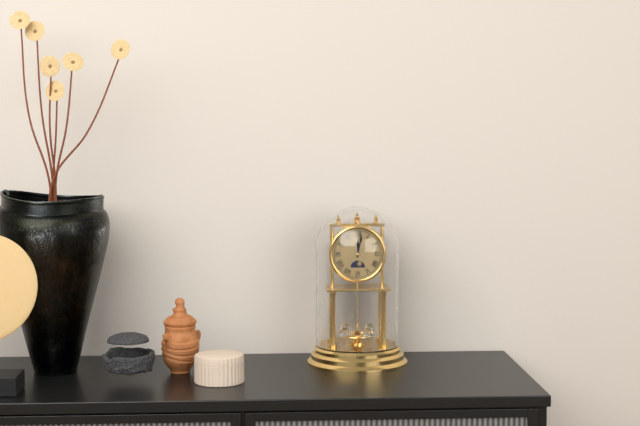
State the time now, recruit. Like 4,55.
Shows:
12,02
